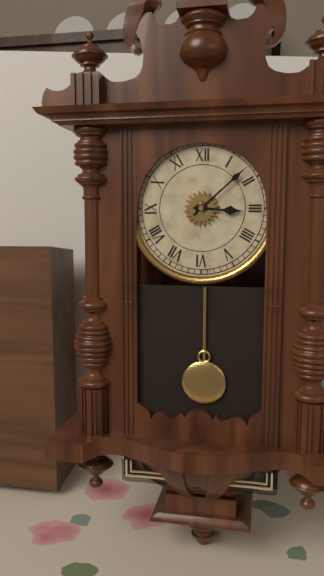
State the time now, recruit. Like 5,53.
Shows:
3,08
